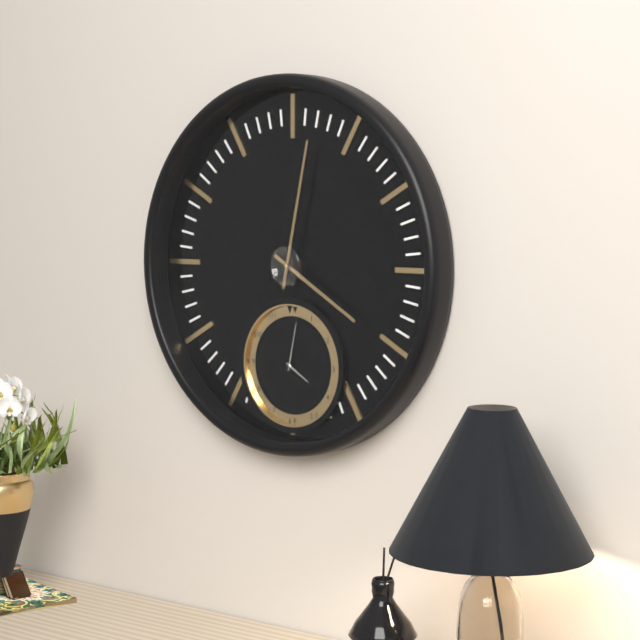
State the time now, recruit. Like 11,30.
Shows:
4,02
